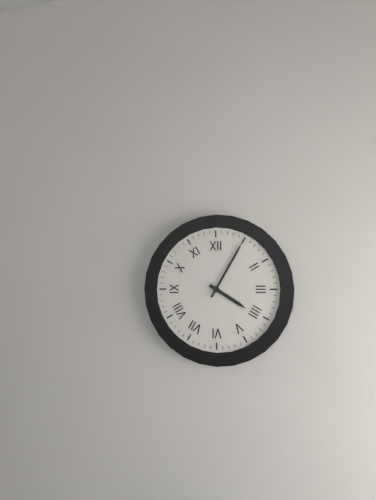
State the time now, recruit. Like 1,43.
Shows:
4,05
